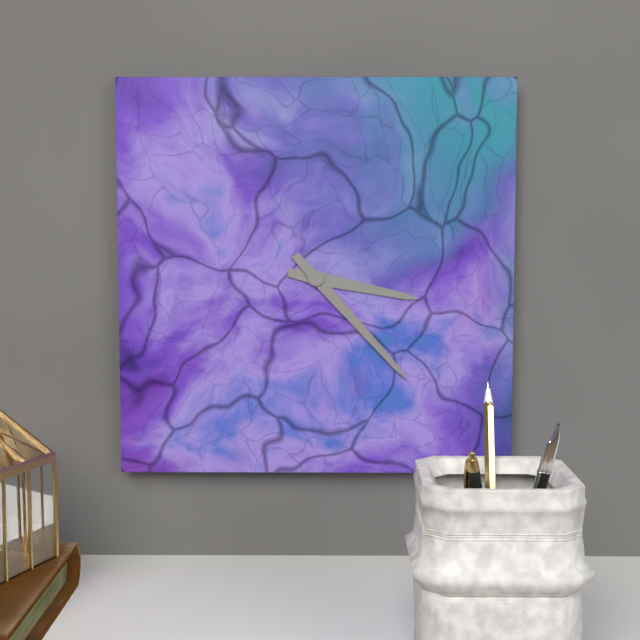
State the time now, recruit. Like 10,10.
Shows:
3,23
